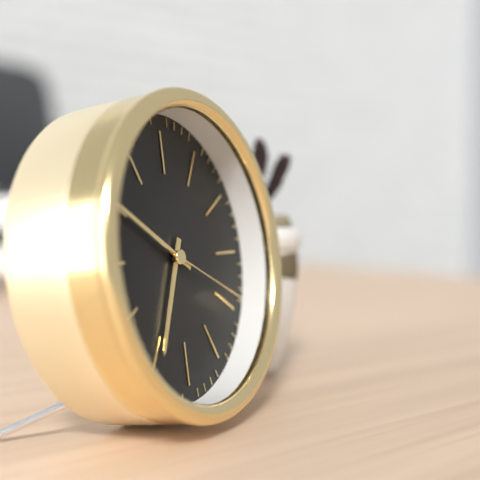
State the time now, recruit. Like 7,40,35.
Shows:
6,50,19
